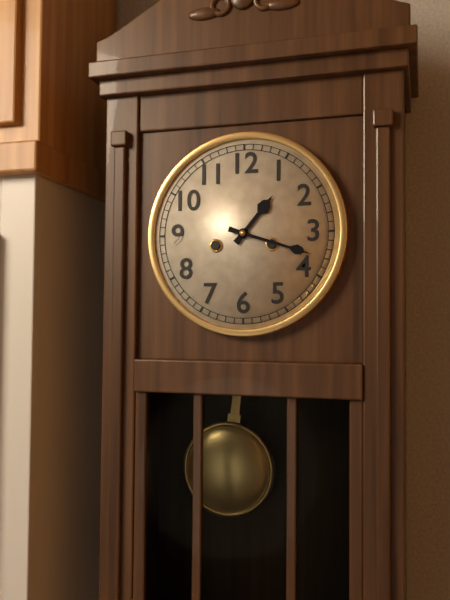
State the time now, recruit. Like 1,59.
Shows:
1,18
